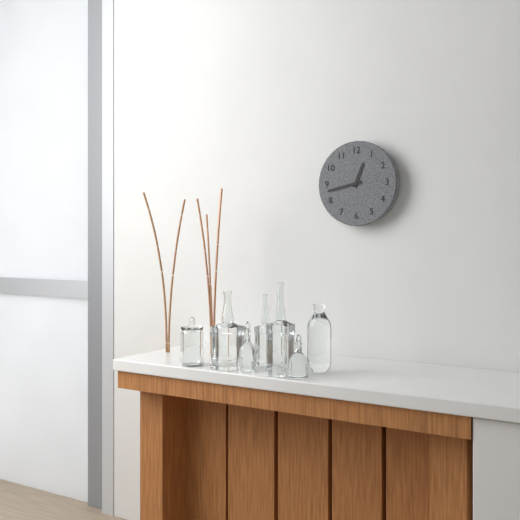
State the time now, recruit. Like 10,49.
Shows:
12,43
